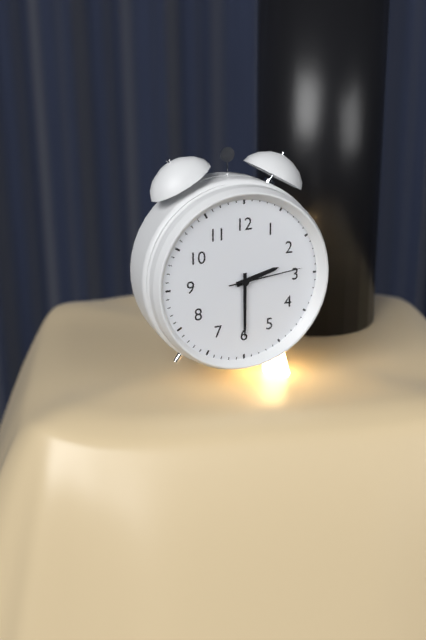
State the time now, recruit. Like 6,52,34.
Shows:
2,30,14
